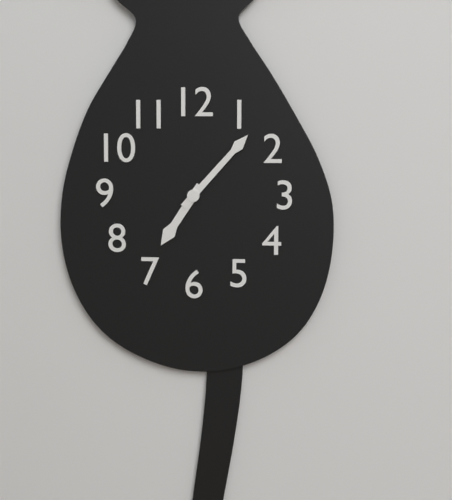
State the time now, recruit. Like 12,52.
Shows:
7,07
